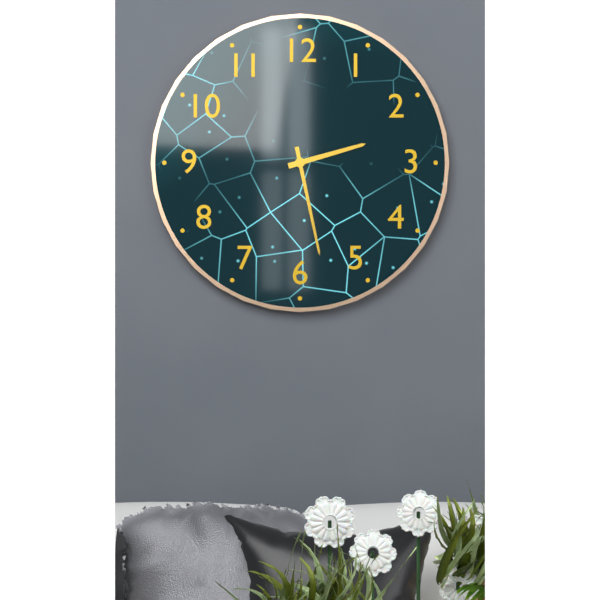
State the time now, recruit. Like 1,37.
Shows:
2,28
